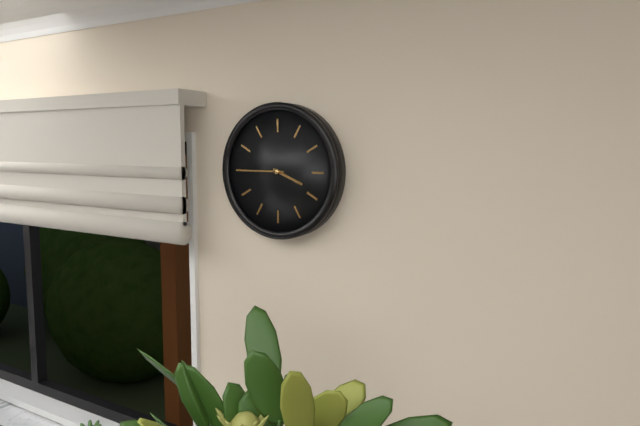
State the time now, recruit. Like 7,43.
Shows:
3,45
